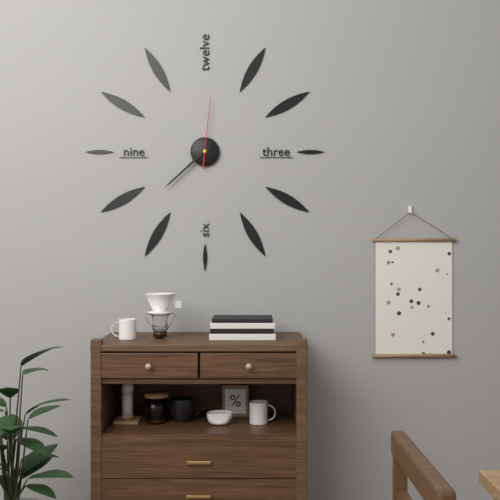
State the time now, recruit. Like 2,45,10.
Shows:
7,38,01
